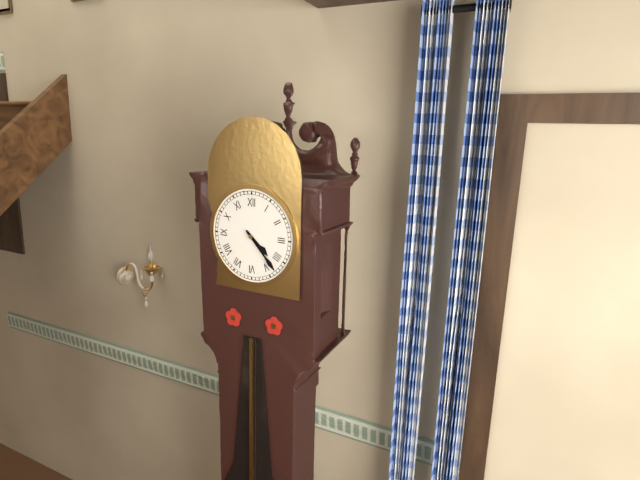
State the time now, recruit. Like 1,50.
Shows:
4,23
